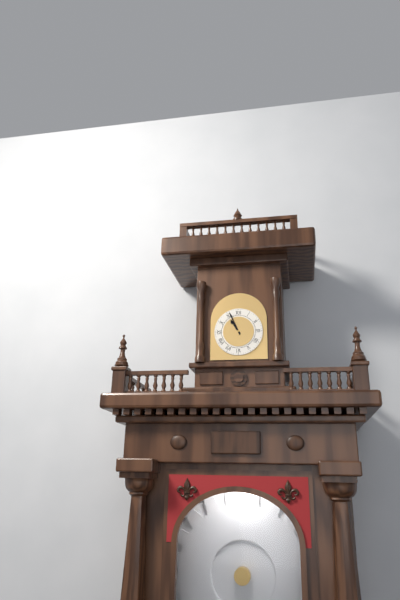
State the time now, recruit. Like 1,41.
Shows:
10,56
